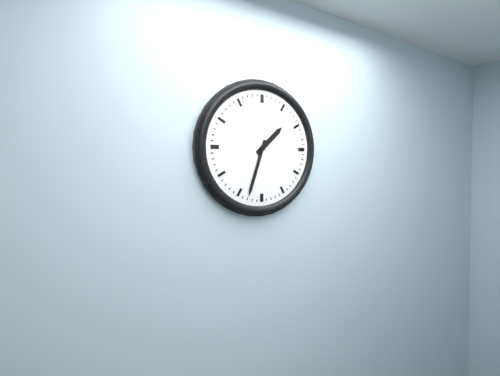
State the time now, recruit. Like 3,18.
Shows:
1,33
